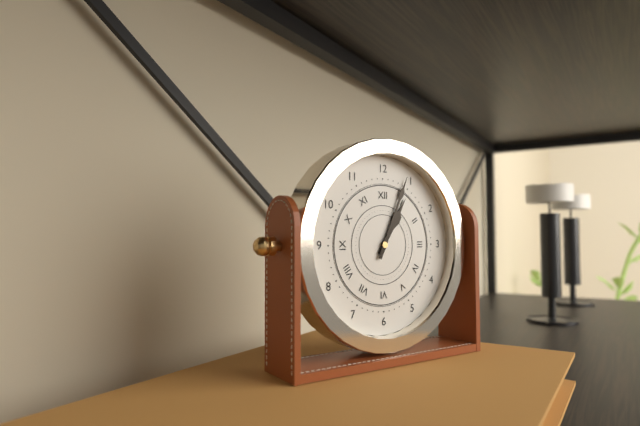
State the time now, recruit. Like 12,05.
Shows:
1,04
